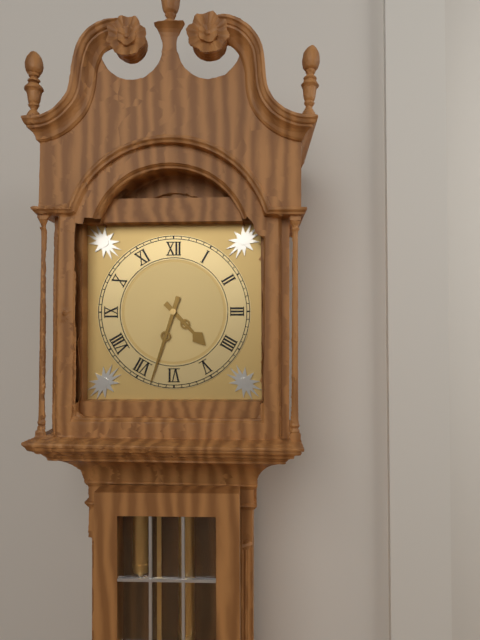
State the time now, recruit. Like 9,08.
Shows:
4,33
